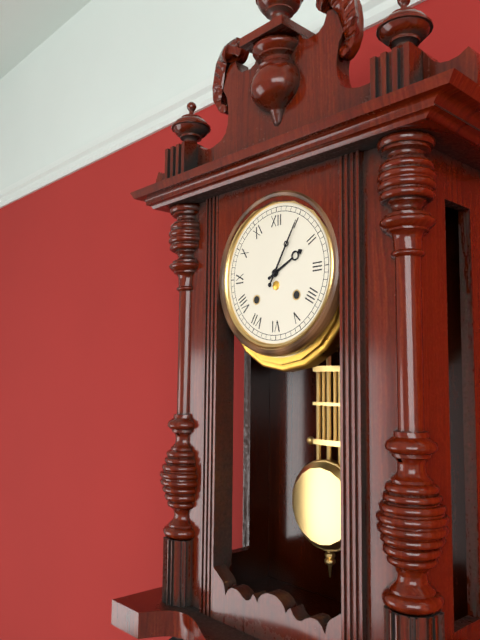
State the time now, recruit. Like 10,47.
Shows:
2,05
